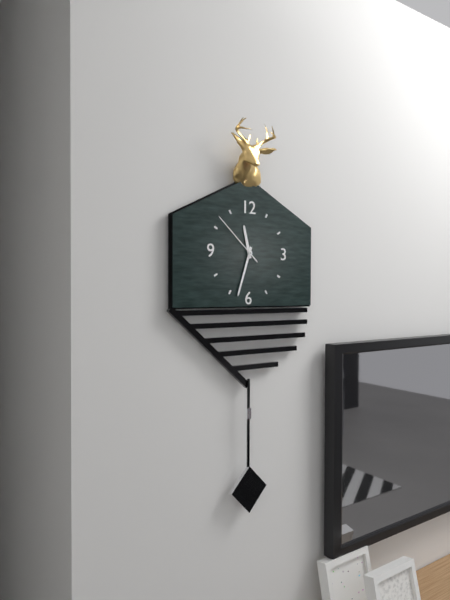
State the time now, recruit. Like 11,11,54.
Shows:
11,33,52
